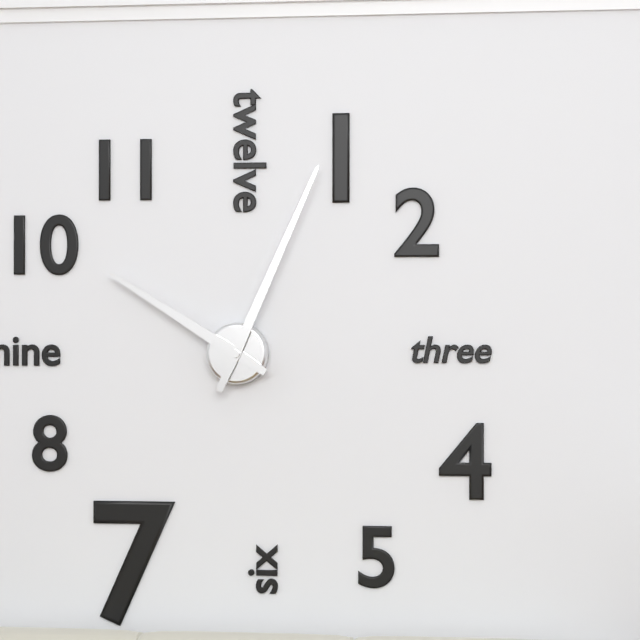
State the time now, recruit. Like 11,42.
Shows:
10,04
